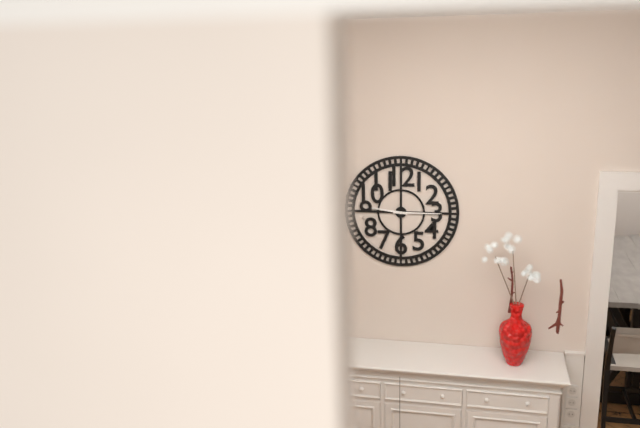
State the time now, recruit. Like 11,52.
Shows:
9,15
